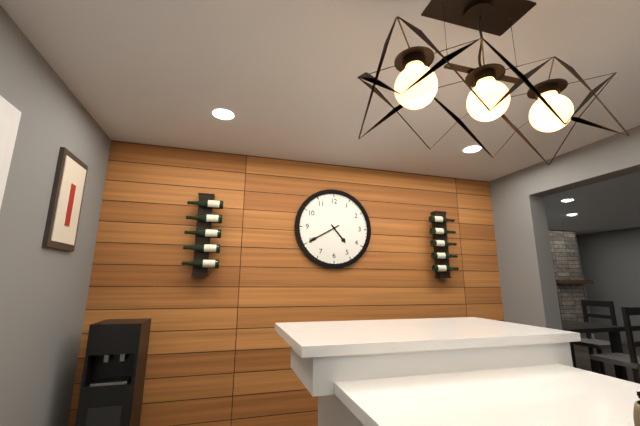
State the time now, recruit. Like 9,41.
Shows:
4,40
